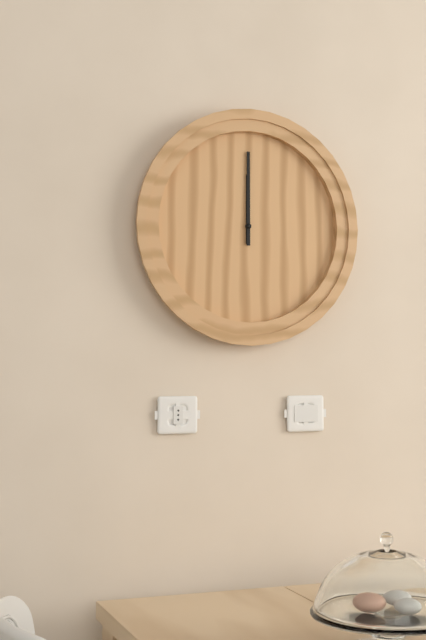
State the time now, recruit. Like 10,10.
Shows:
12,00
